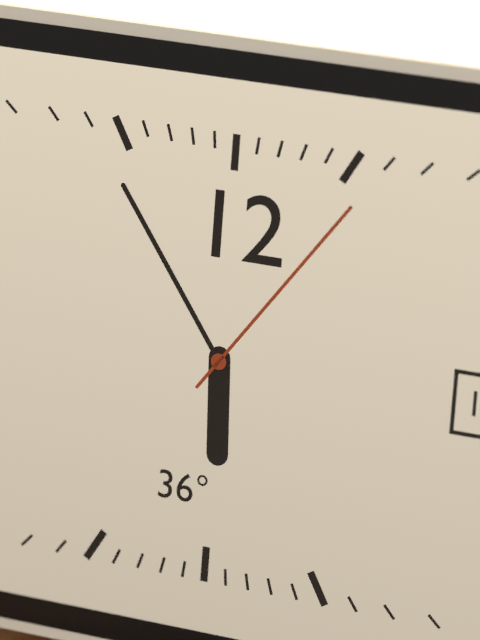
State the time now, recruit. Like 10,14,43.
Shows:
5,54,06
